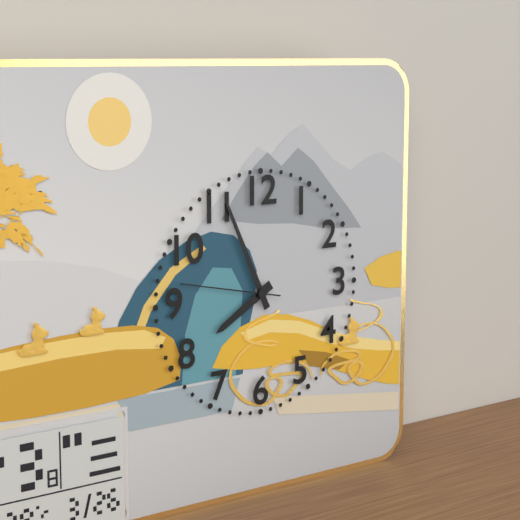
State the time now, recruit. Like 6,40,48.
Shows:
7,56,47
